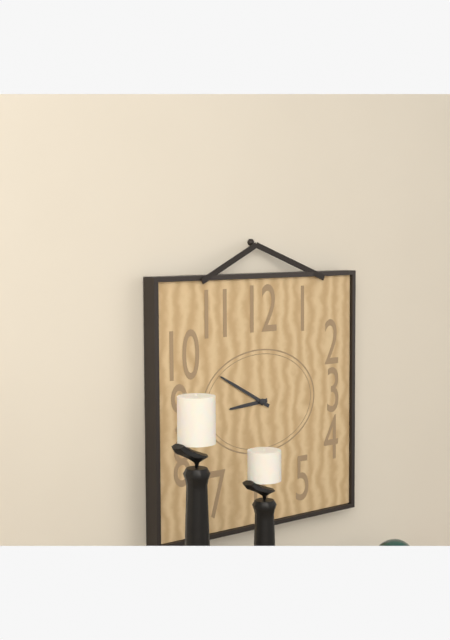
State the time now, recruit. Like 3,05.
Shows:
8,50
